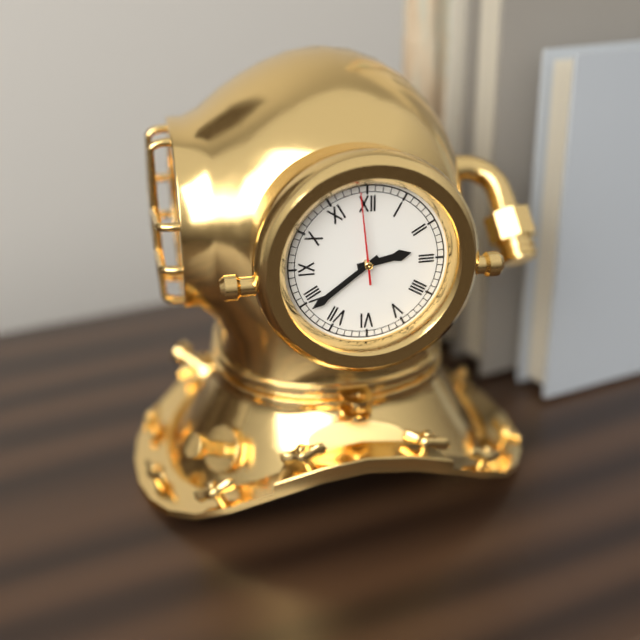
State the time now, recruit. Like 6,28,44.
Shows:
2,39,59
